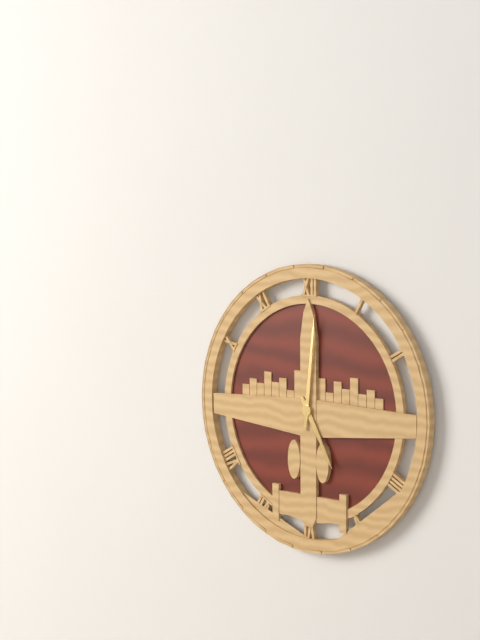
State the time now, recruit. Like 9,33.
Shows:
5,01
